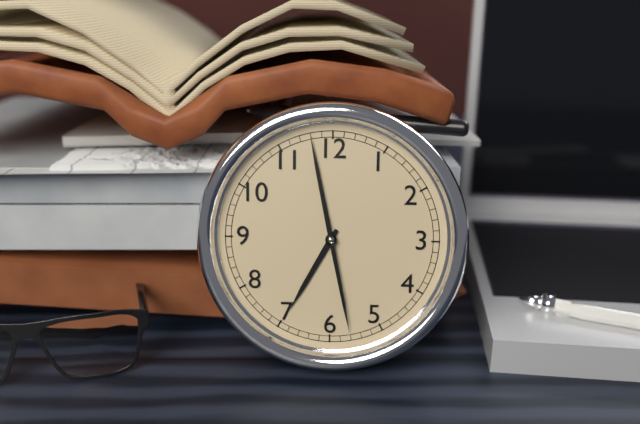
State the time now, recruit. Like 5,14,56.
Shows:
6,58,28
